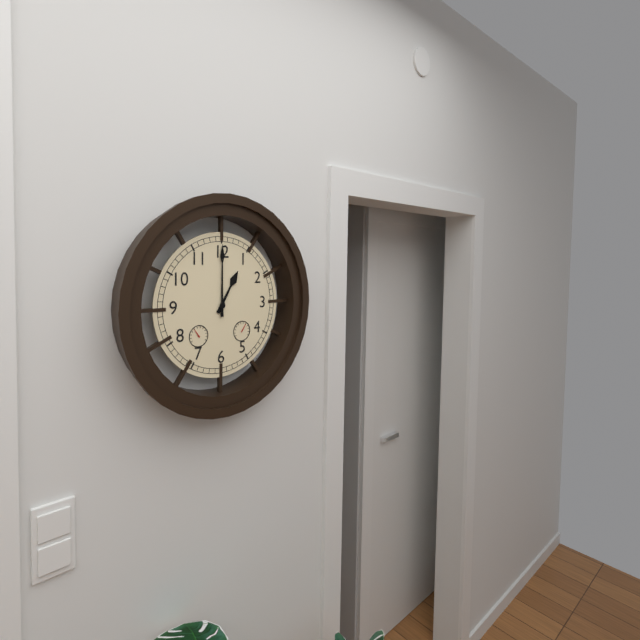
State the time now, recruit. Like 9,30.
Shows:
1,00
